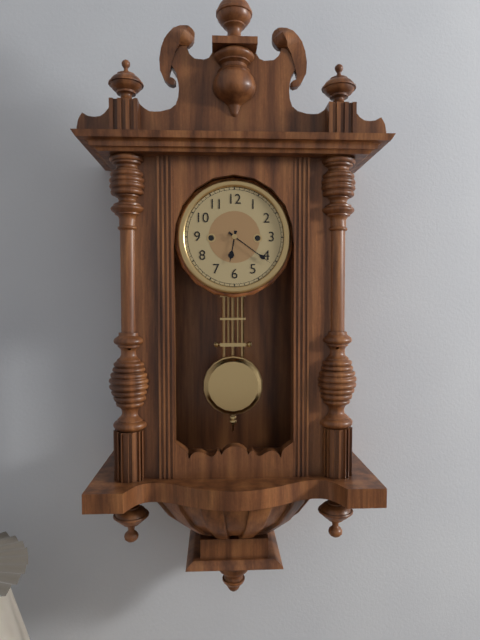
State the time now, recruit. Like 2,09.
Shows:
6,21
